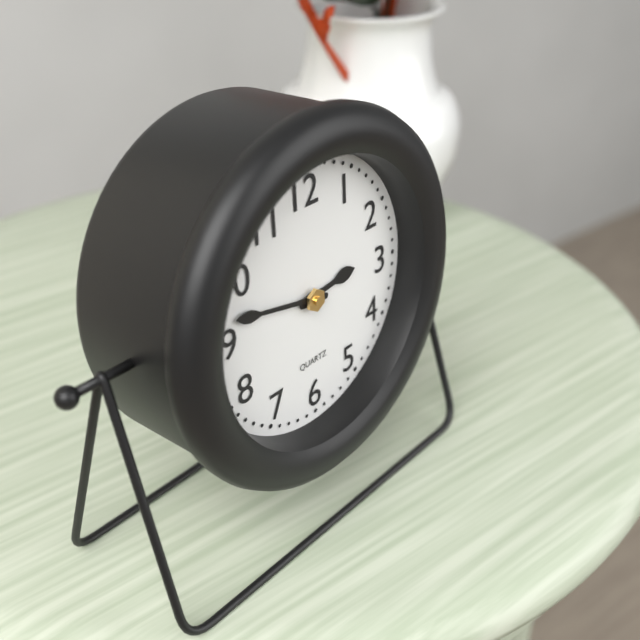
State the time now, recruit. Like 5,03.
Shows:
2,47
